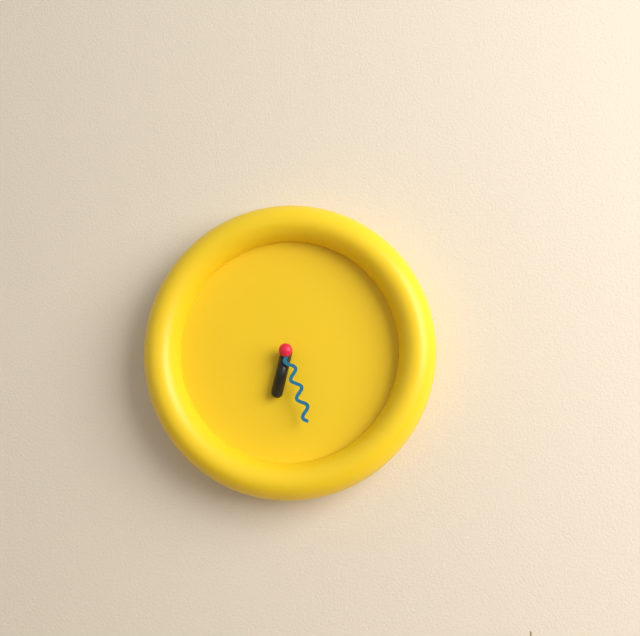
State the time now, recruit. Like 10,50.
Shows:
6,27
